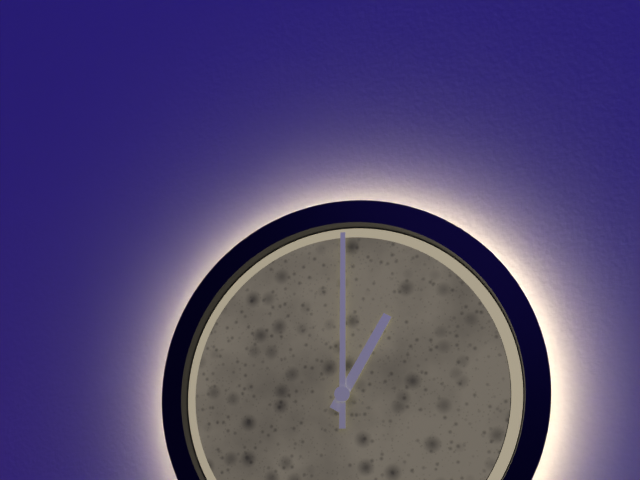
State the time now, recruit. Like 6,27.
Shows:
1,00
